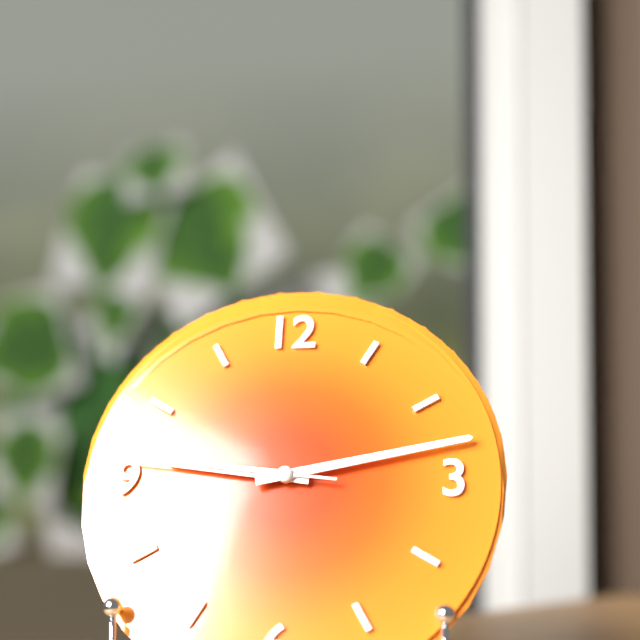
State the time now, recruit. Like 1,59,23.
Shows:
9,13,46
